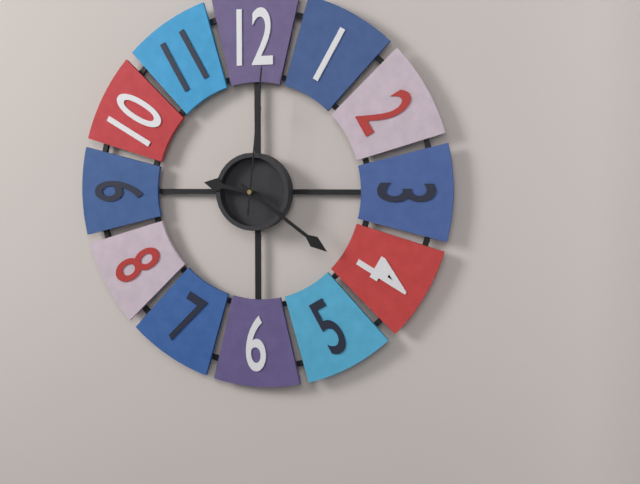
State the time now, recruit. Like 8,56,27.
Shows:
9,21,01
